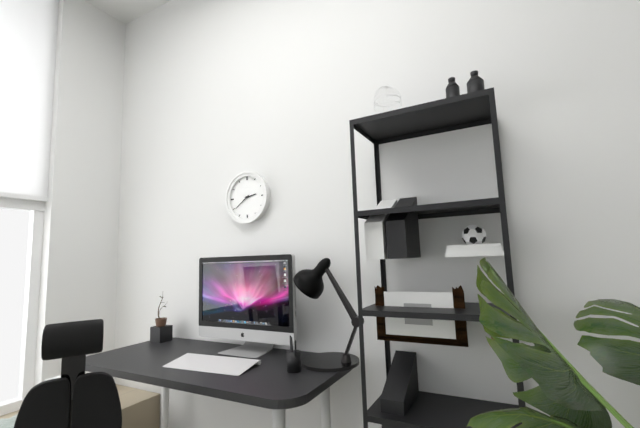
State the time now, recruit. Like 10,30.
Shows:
2,39
